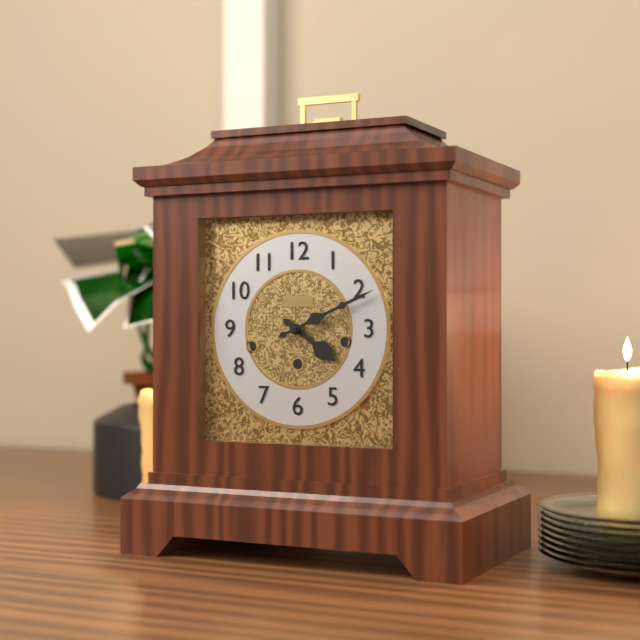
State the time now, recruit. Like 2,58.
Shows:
4,11
